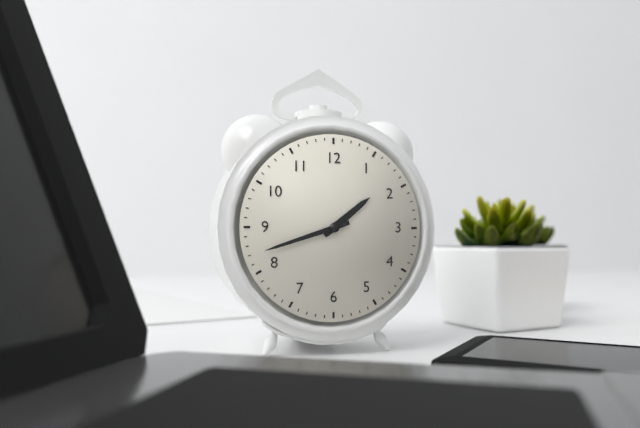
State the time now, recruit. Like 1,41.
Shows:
1,42
